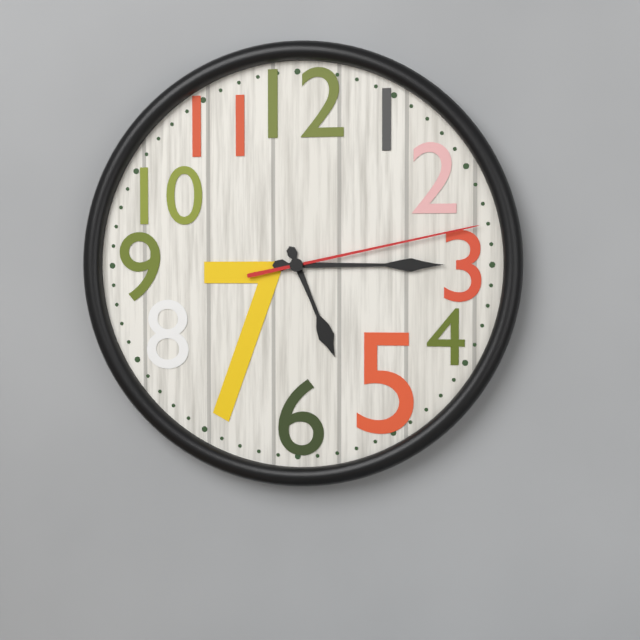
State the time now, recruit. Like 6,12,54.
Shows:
5,15,13
